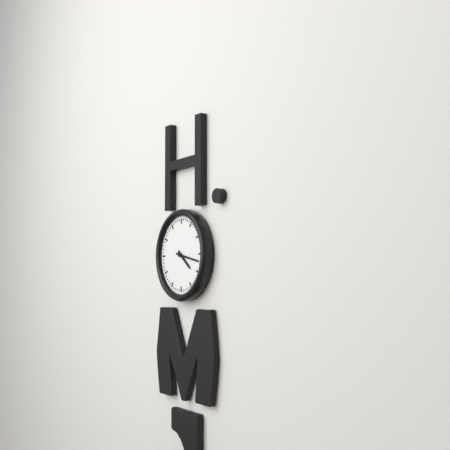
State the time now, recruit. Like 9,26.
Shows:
4,17
